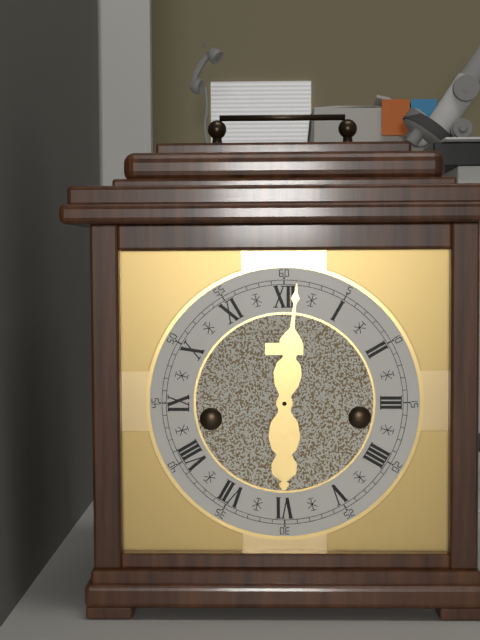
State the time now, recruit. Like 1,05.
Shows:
6,01
